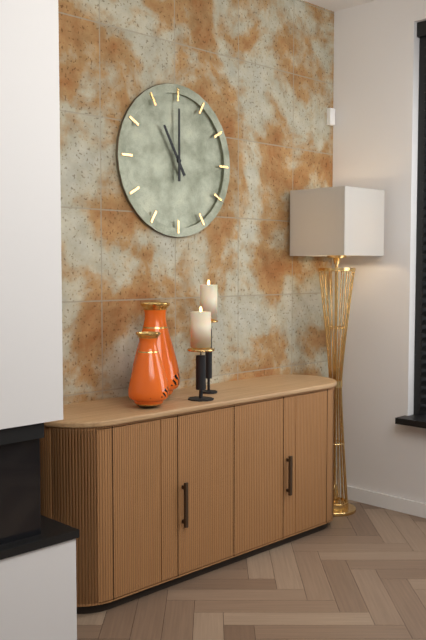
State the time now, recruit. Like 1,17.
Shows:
11,00
